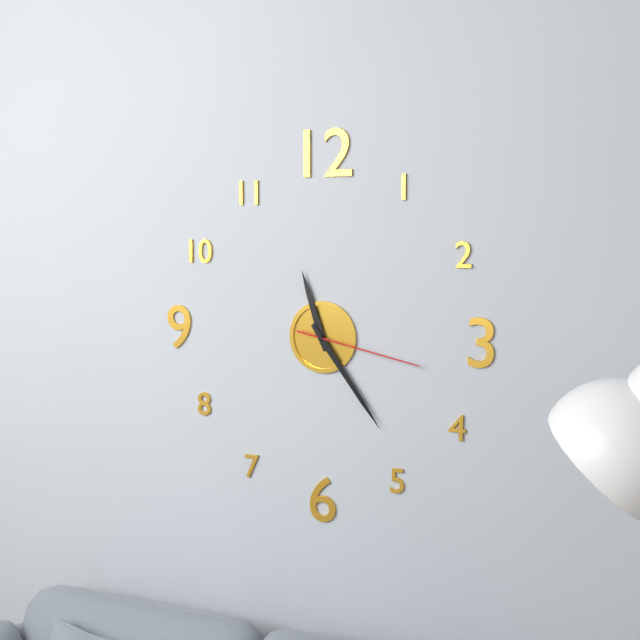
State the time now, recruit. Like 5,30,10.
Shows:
11,24,17
